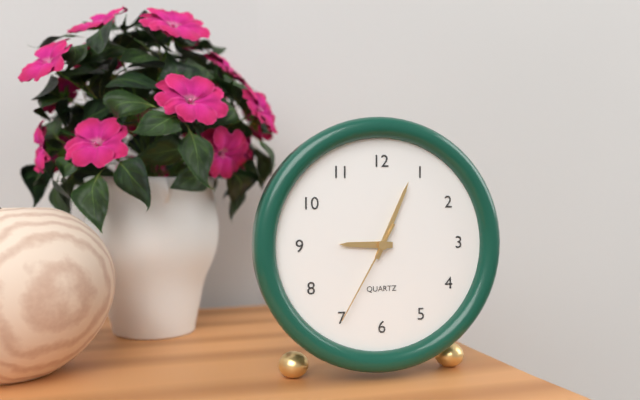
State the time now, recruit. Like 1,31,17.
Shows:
9,04,35
